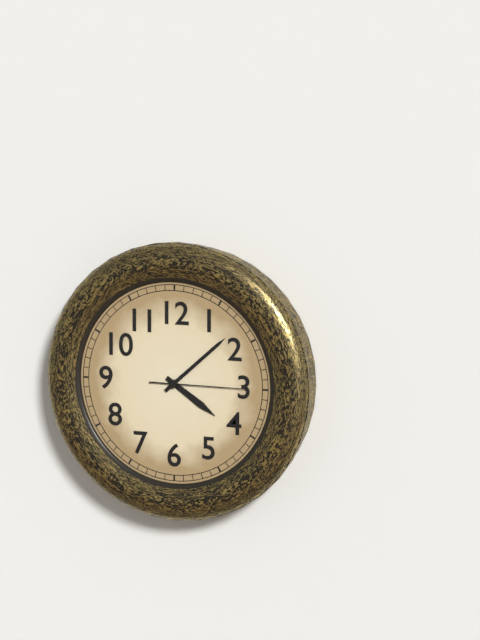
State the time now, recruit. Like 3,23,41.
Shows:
4,08,15
